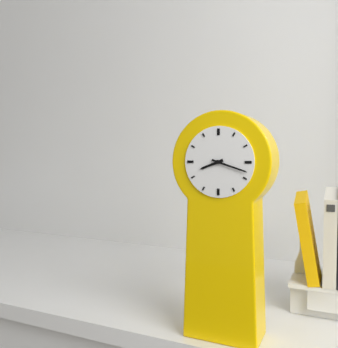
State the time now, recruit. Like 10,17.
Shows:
8,18
